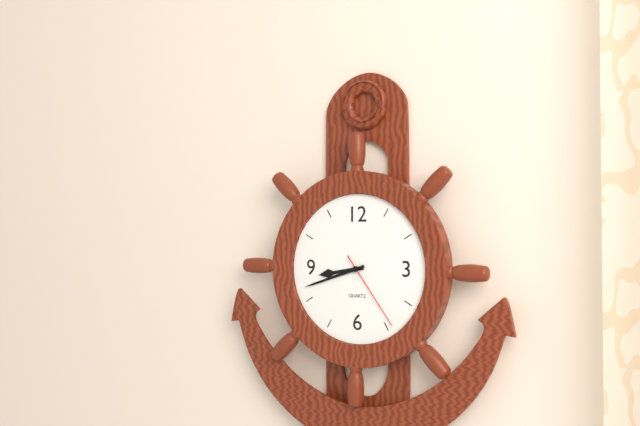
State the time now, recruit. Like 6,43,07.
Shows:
8,42,24
